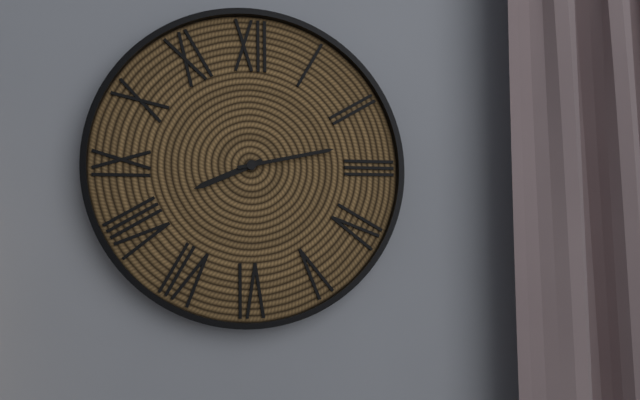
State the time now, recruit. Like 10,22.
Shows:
8,13
